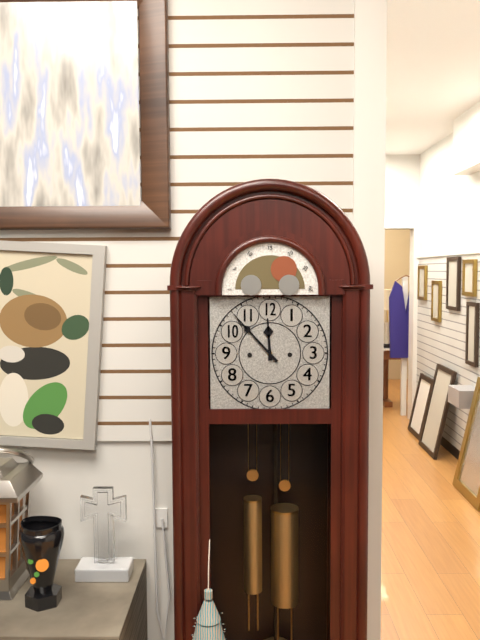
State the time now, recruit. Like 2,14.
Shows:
11,53
